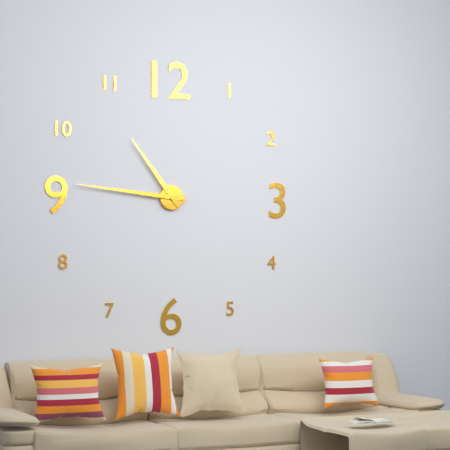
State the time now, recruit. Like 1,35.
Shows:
10,46
